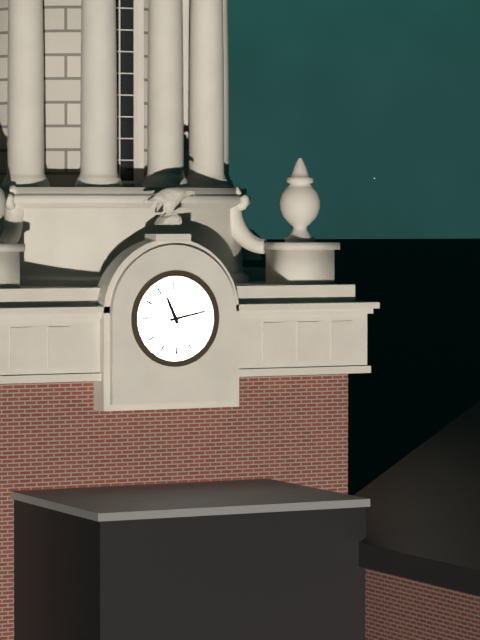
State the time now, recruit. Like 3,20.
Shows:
11,13
